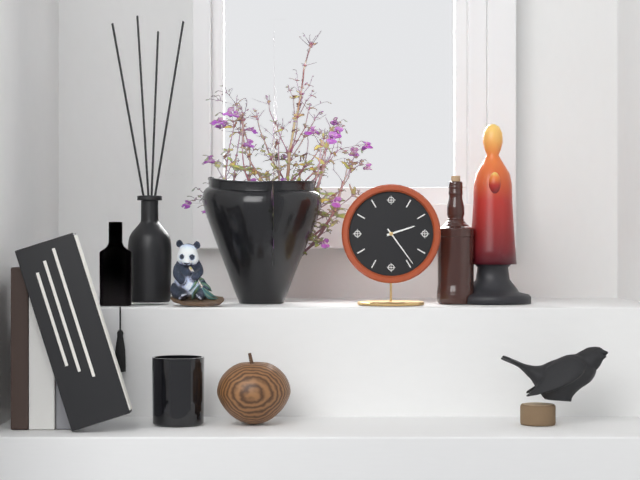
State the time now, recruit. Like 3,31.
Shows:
2,24
